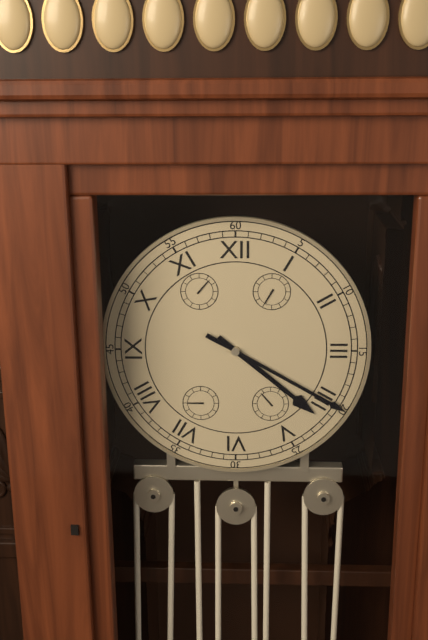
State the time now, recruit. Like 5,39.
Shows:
4,20
